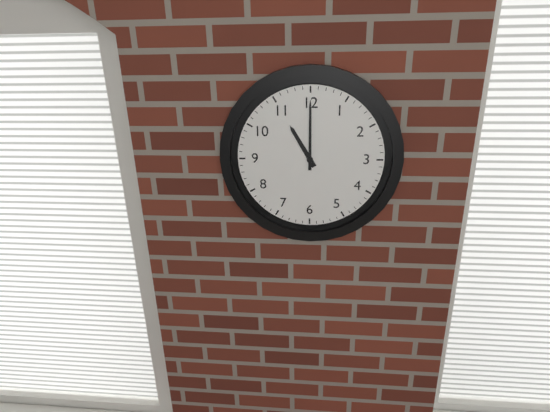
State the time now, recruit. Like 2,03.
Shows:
11,00
